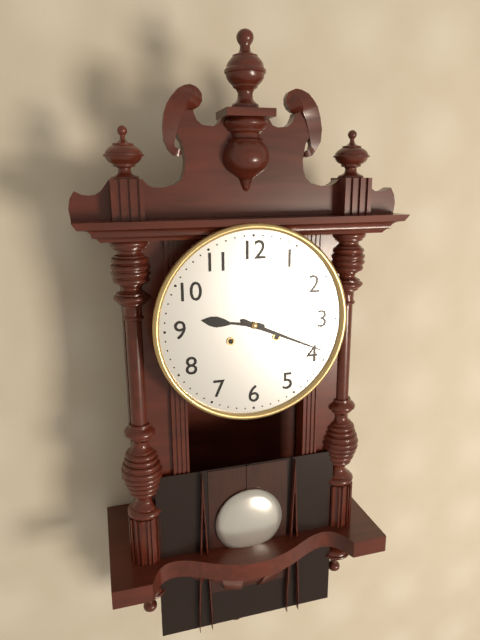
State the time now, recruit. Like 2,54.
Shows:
9,19
